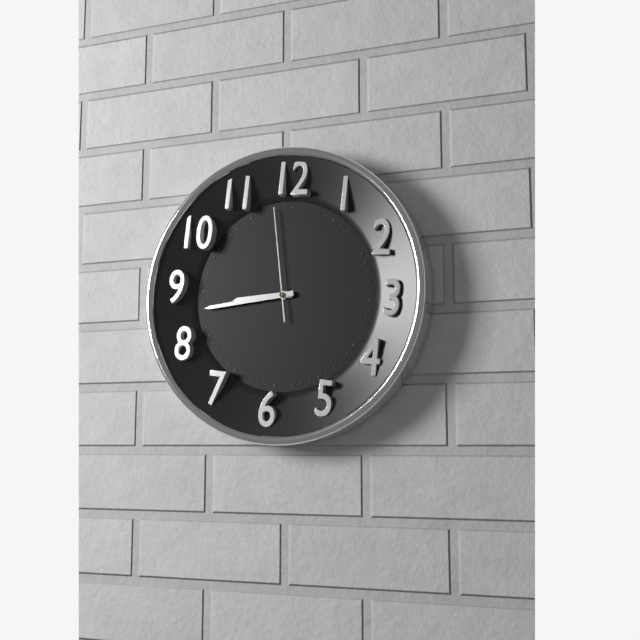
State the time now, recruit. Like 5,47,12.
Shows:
8,43,58
